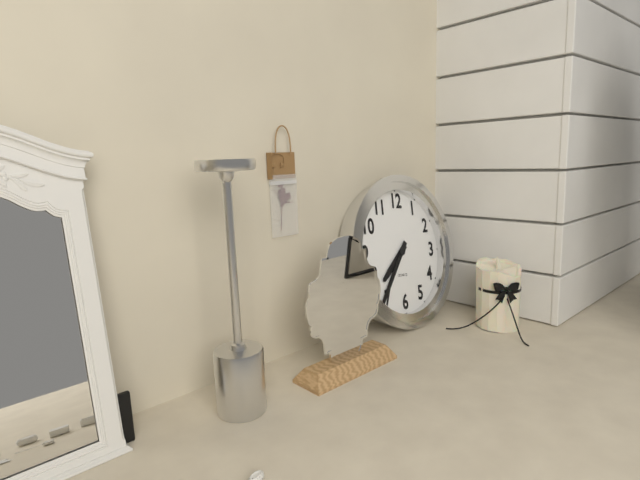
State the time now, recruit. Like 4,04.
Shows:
7,36
